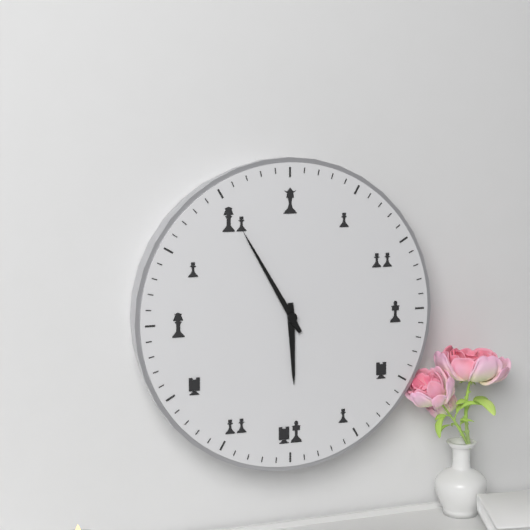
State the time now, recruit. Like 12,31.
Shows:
5,55
